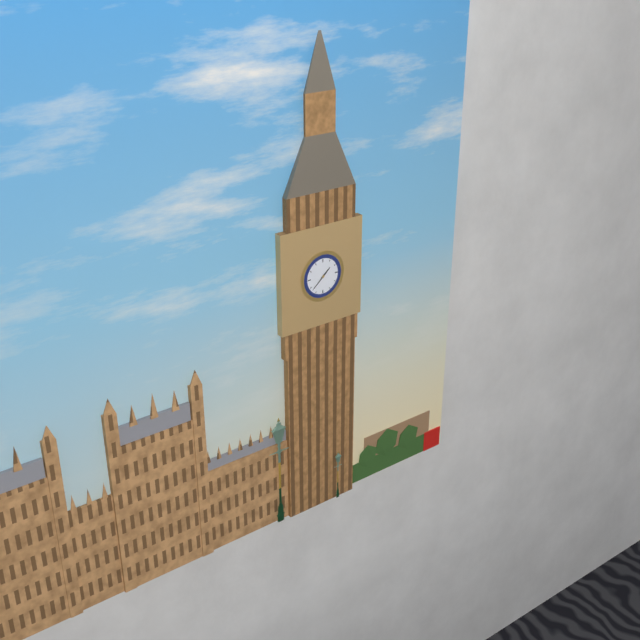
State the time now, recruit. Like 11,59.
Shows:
1,38
